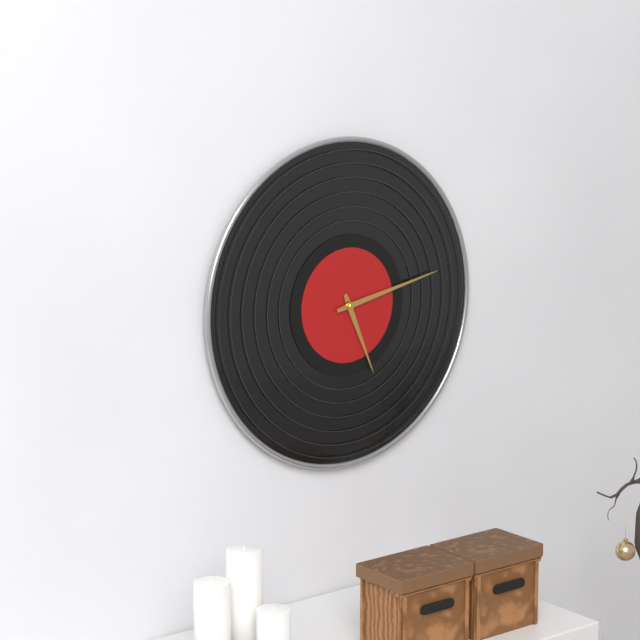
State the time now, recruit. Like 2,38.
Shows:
5,13
